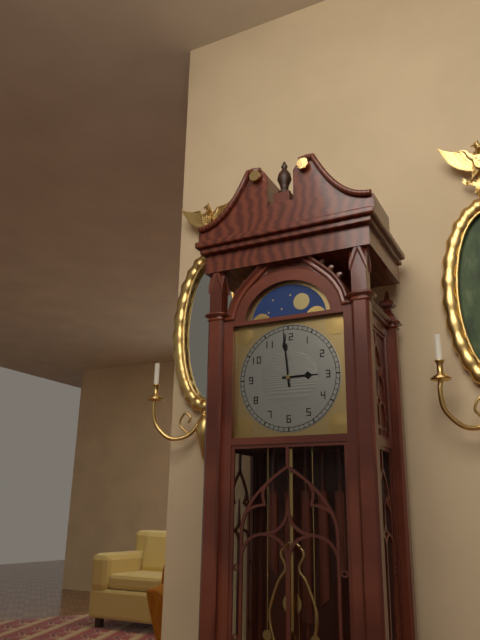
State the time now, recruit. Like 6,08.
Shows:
2,59
